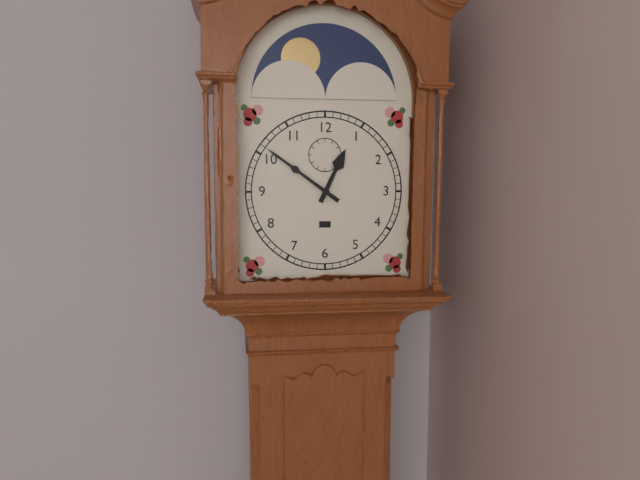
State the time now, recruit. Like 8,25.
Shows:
12,51
